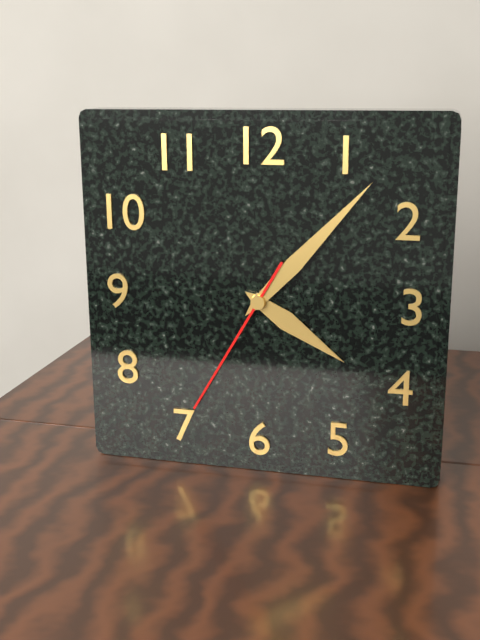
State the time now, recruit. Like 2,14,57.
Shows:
4,07,35
